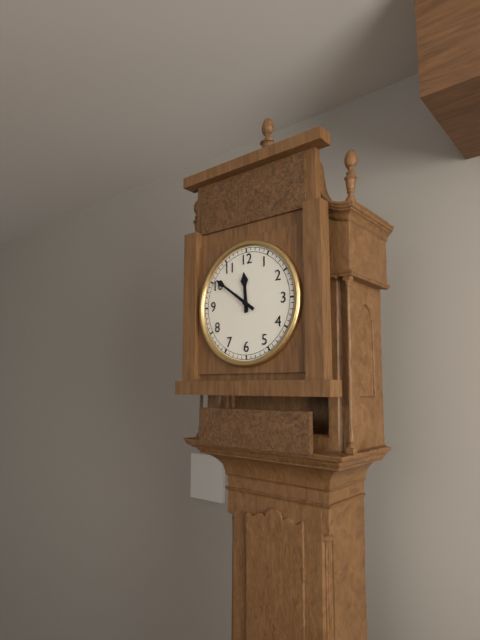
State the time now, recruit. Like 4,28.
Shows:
11,51
